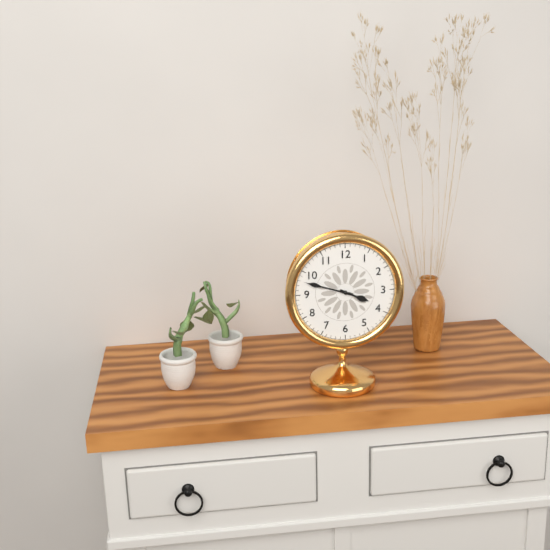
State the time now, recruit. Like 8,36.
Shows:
3,48
